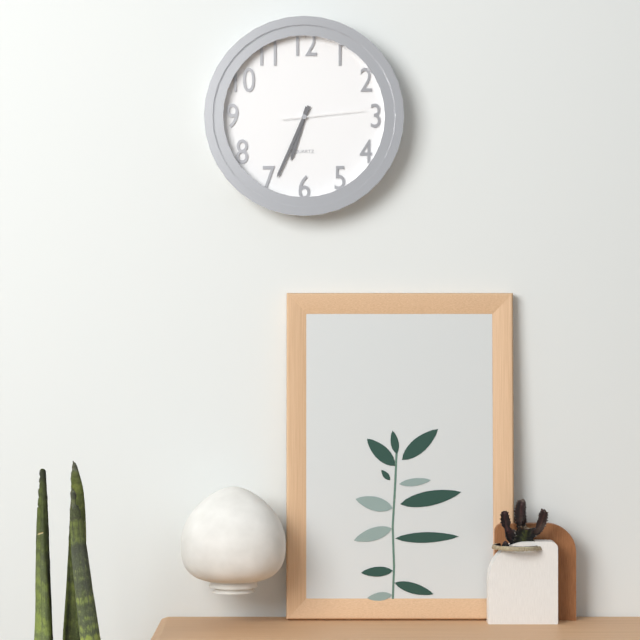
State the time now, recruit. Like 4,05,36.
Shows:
6,34,14
